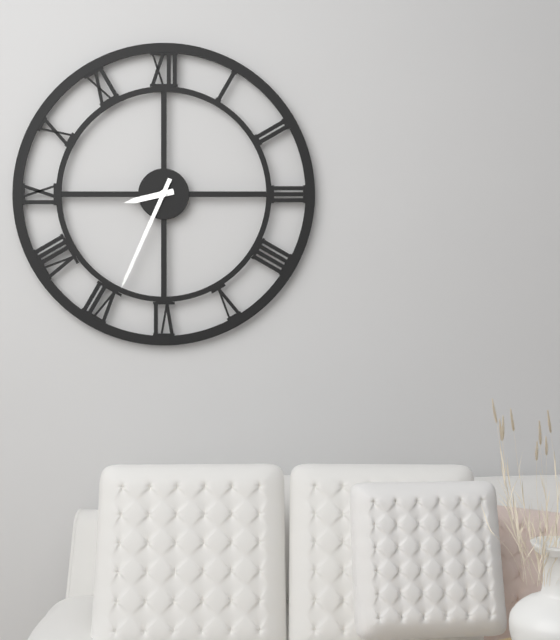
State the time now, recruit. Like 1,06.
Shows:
8,34
